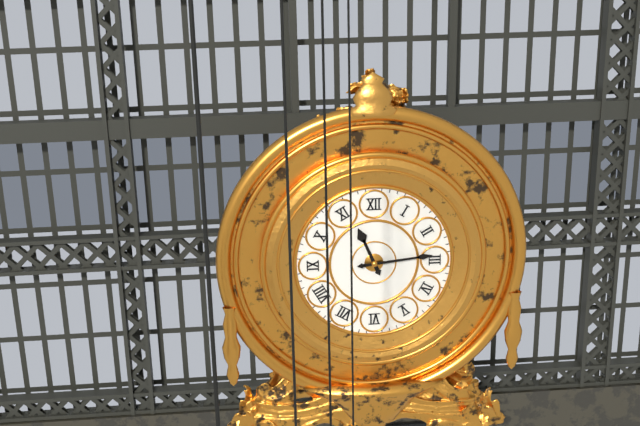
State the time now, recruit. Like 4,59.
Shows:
11,14
